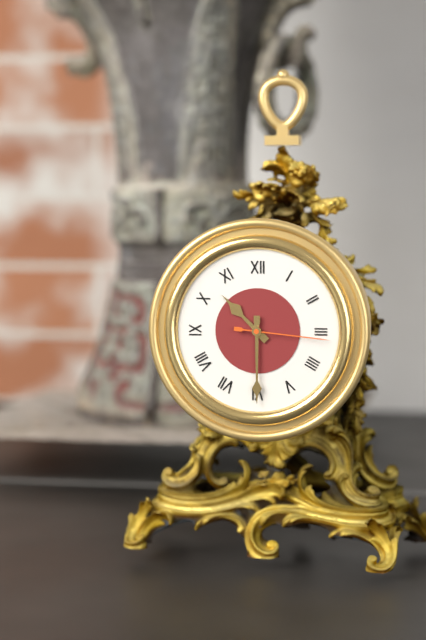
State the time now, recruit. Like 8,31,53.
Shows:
10,30,16
